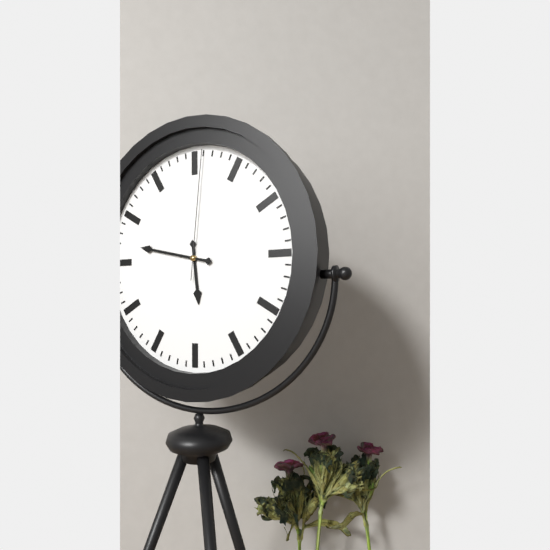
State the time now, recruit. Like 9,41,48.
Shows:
5,47,01
